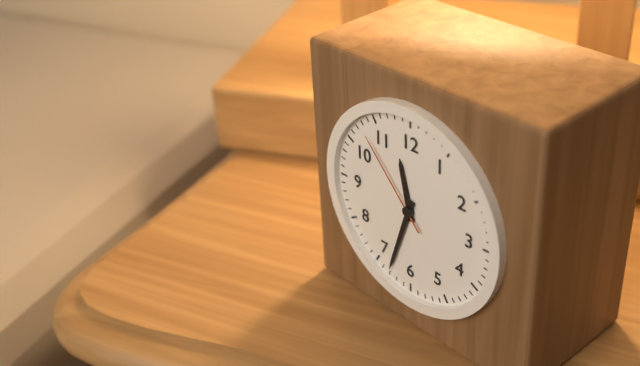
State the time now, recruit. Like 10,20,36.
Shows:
11,33,53
